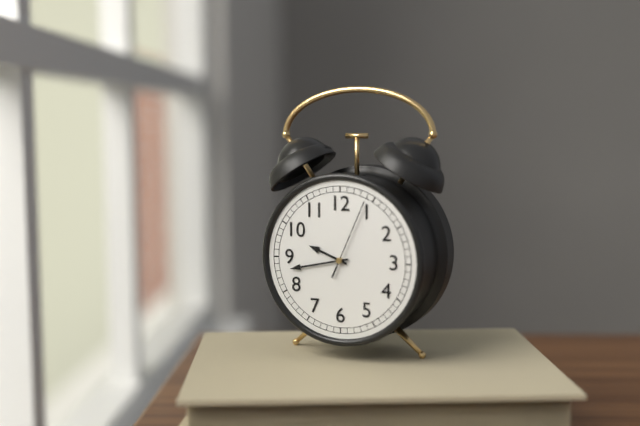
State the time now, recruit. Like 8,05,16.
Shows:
9,43,04
